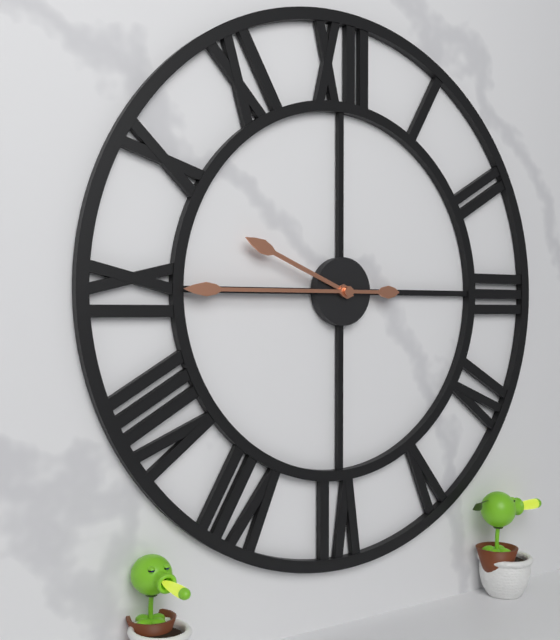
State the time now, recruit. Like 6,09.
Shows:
9,45
